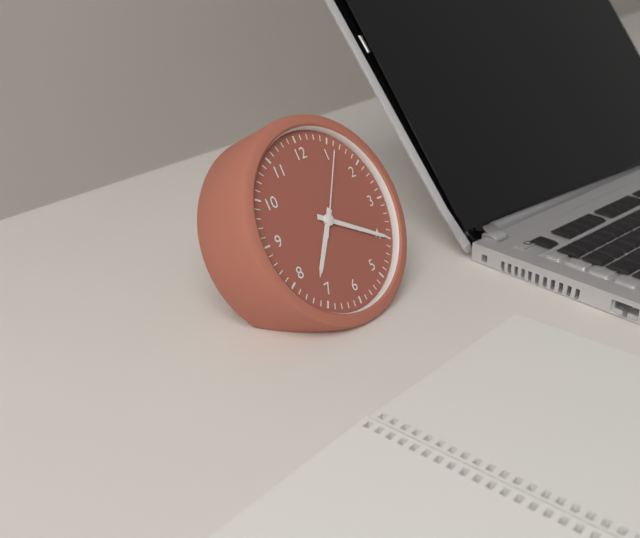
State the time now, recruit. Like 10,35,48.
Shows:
7,20,06
